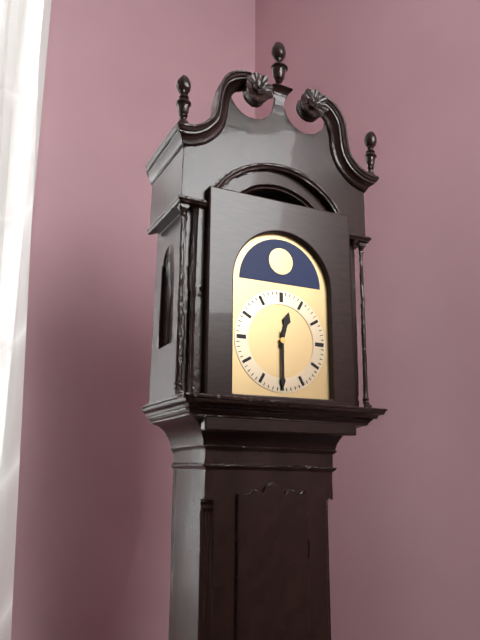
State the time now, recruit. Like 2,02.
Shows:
12,30
